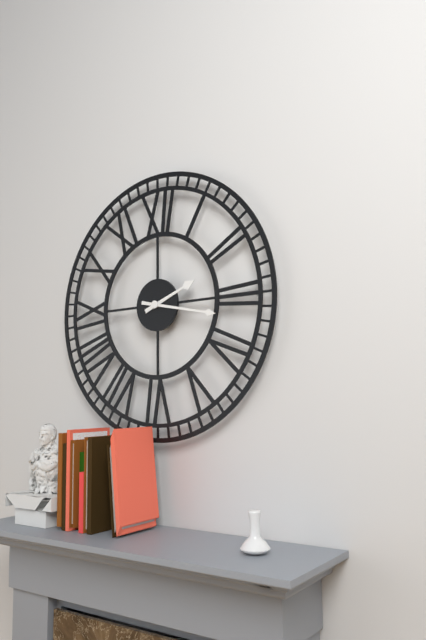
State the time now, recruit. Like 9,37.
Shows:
2,17
